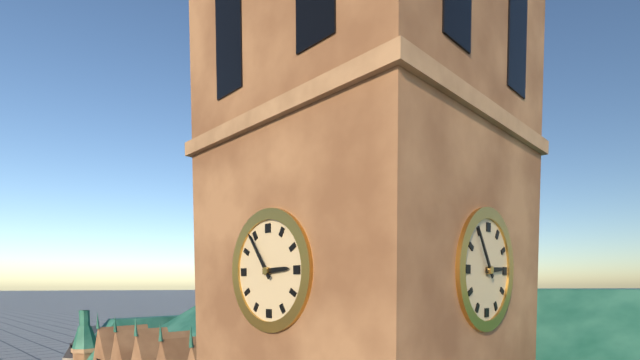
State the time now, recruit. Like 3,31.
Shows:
2,54
